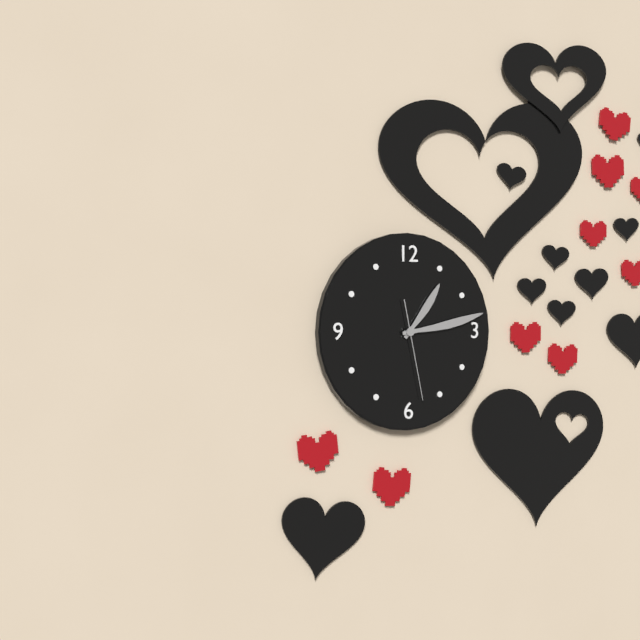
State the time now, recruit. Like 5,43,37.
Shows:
1,13,28
